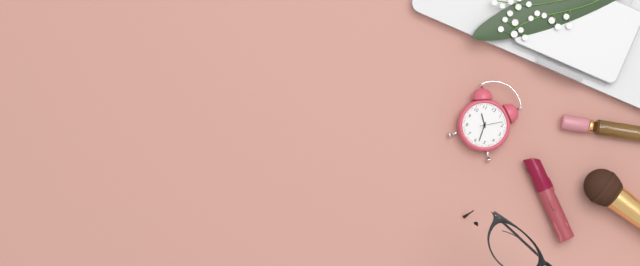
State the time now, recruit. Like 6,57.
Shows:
10,28
